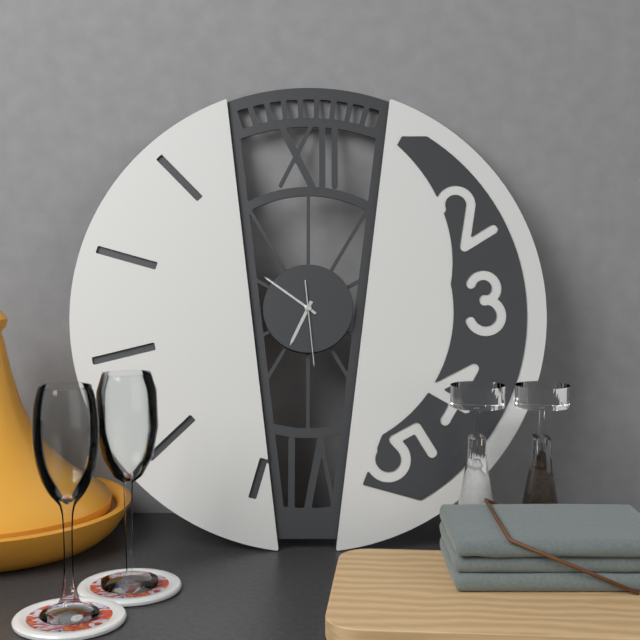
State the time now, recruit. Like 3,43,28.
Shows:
6,51,29
